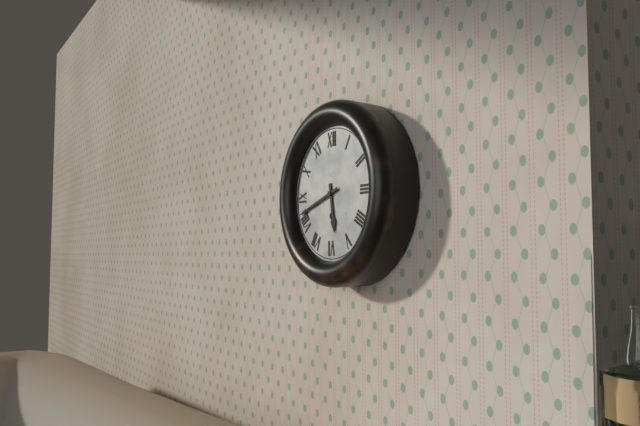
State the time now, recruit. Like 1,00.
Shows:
5,42
